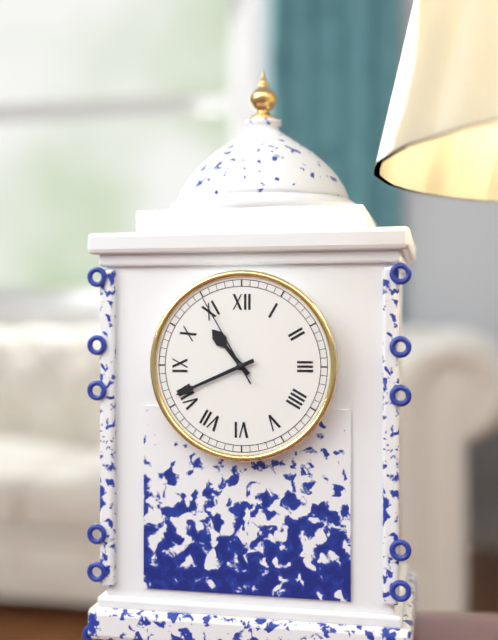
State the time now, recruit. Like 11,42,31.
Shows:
10,41,55
